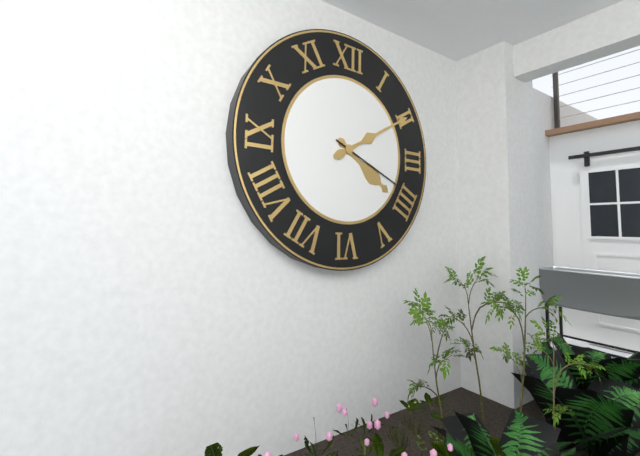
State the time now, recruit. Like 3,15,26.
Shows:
4,10,19
